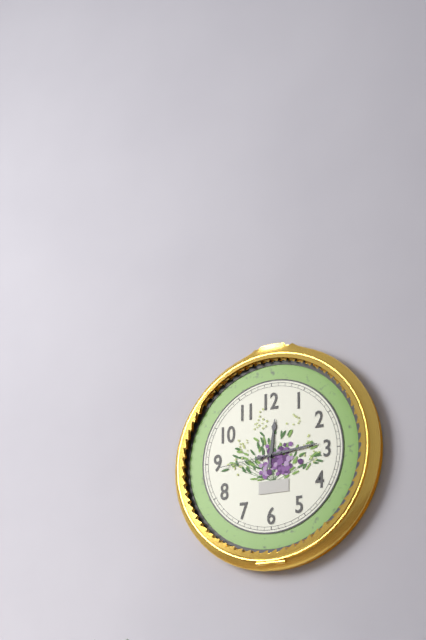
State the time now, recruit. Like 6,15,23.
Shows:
12,14,44
